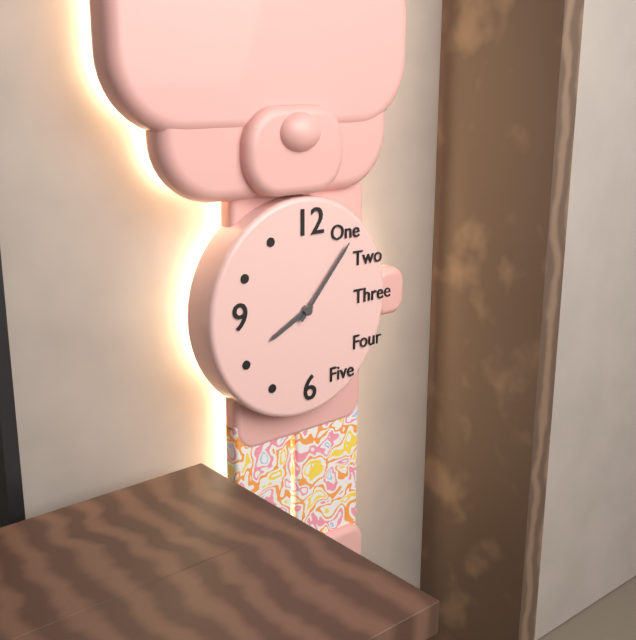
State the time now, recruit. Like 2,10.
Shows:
8,07
